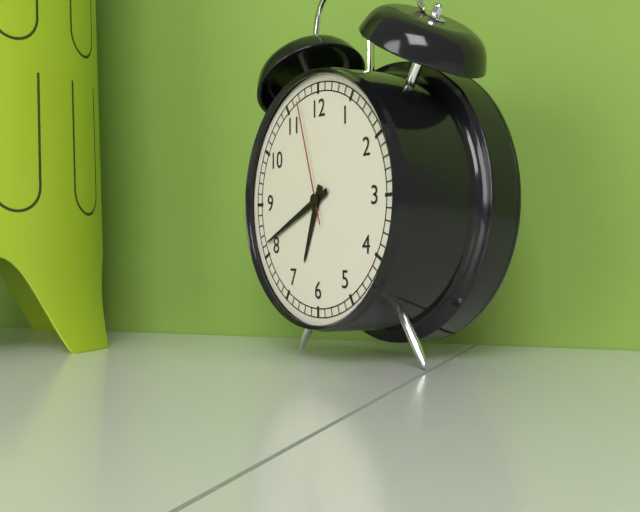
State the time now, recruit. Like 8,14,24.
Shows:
6,41,57
